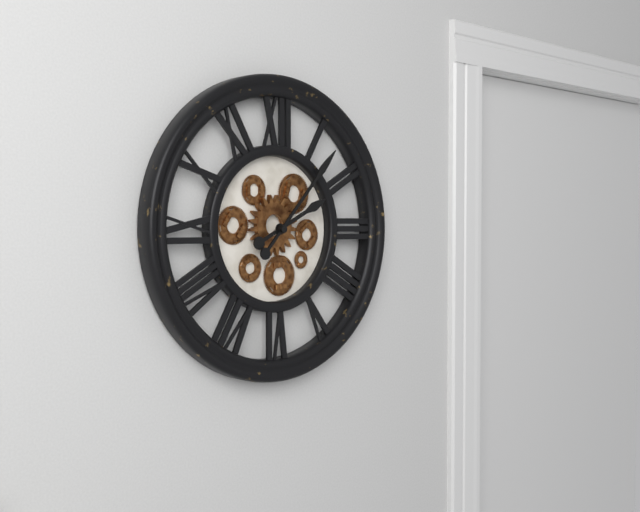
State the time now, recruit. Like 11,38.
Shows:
2,07
